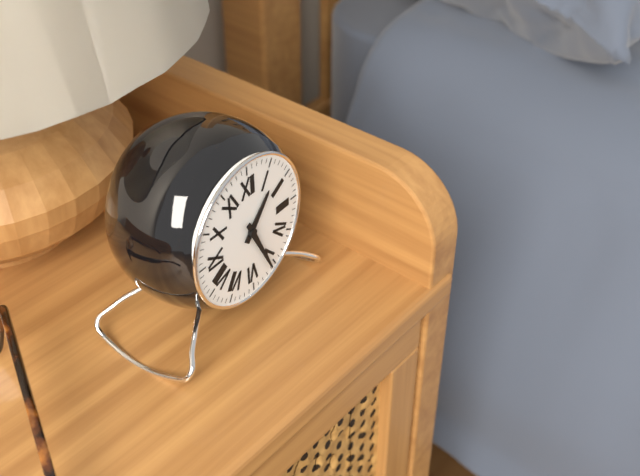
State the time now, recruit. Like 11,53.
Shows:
1,26
